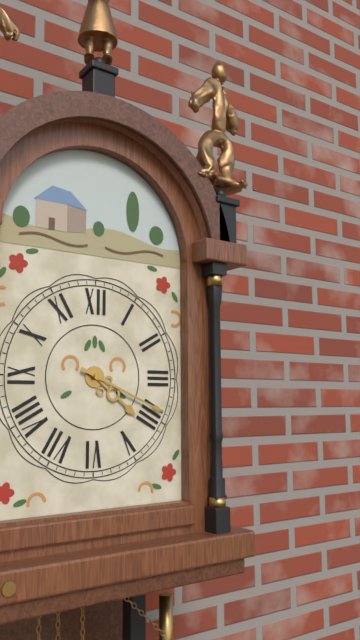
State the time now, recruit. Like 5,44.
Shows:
4,19
